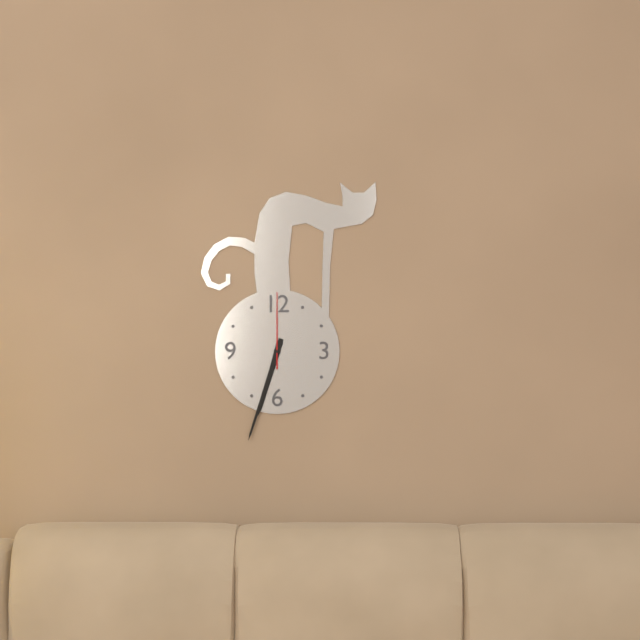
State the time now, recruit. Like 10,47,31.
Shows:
6,33,00
